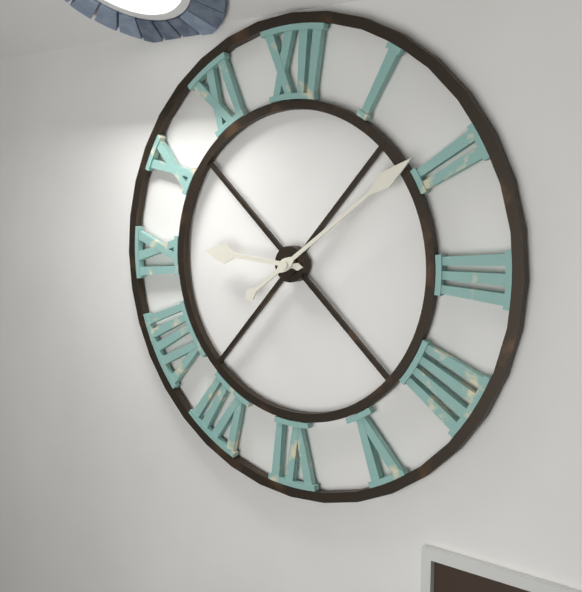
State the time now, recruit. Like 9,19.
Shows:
9,09
